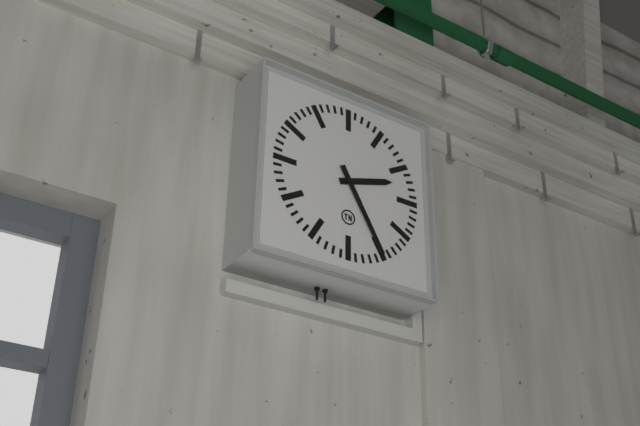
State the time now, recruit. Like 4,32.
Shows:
2,25
